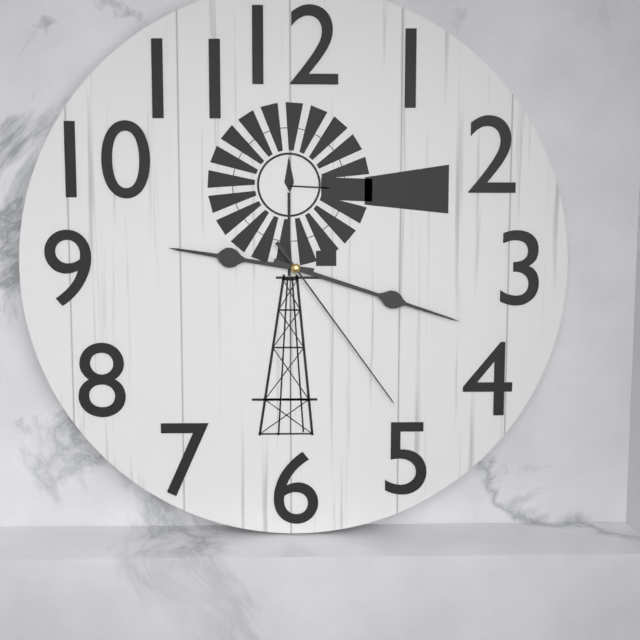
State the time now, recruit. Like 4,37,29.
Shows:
9,18,24
